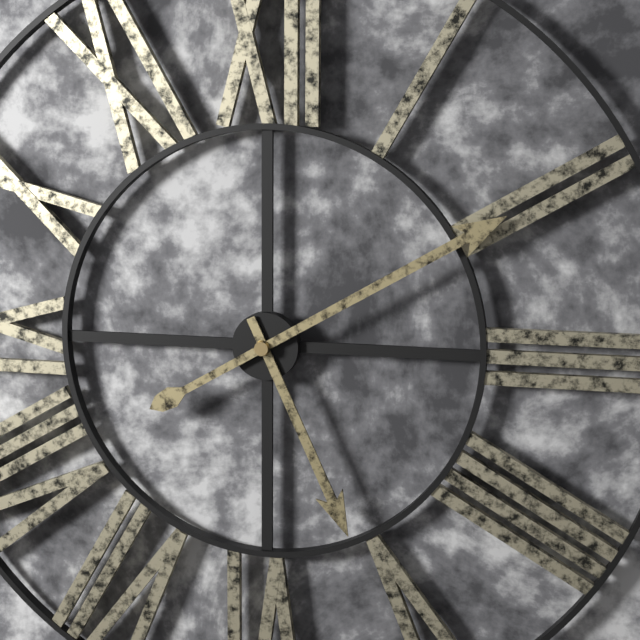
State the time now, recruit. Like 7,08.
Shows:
5,10
